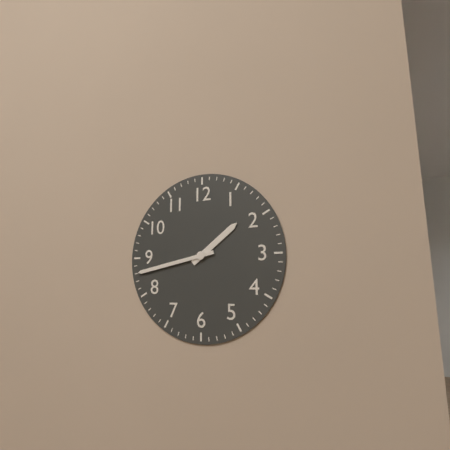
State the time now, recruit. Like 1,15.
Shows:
1,43
